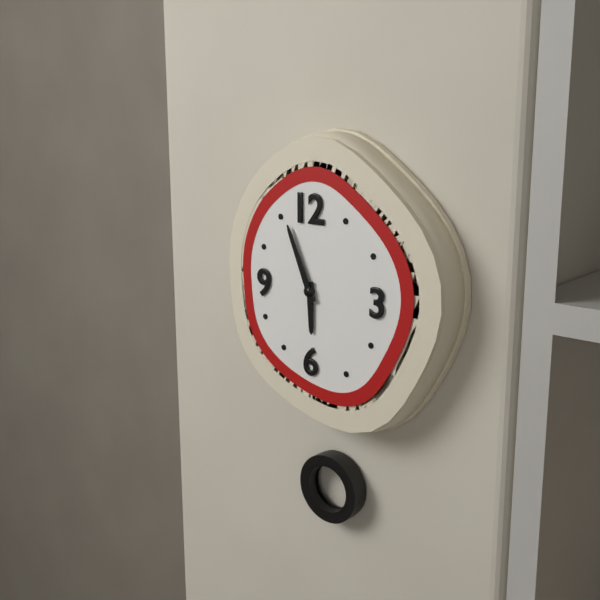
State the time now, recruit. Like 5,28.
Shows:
5,56
